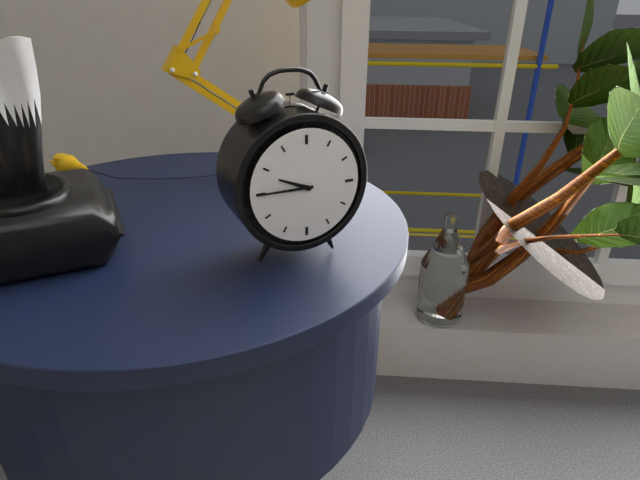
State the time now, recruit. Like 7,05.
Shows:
9,45
